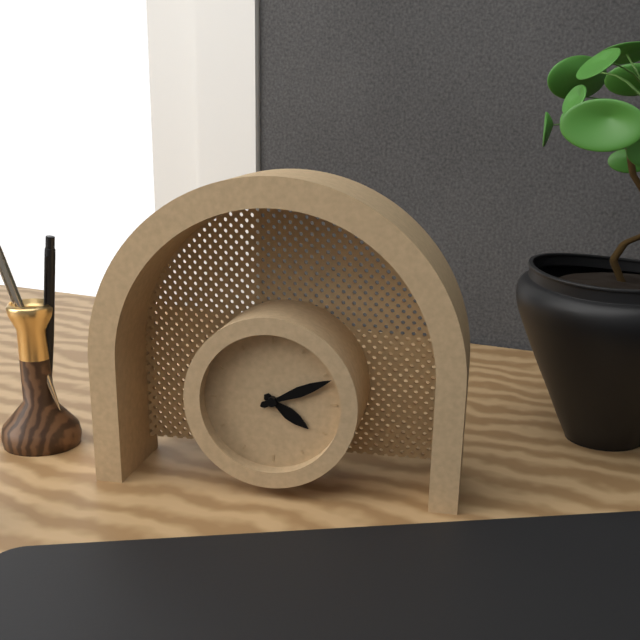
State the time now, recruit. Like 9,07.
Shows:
4,11
